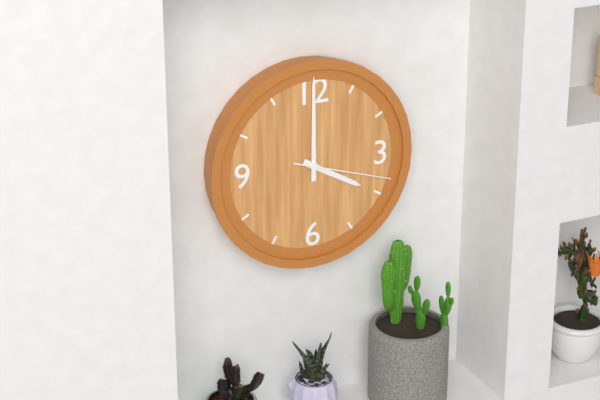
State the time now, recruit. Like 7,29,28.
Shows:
4,00,18
